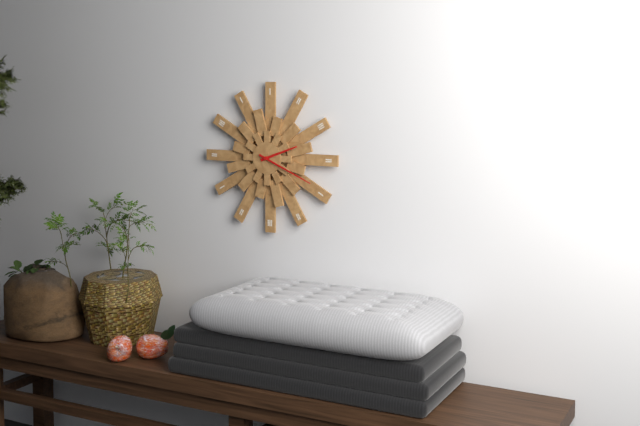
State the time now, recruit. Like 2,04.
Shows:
2,19
